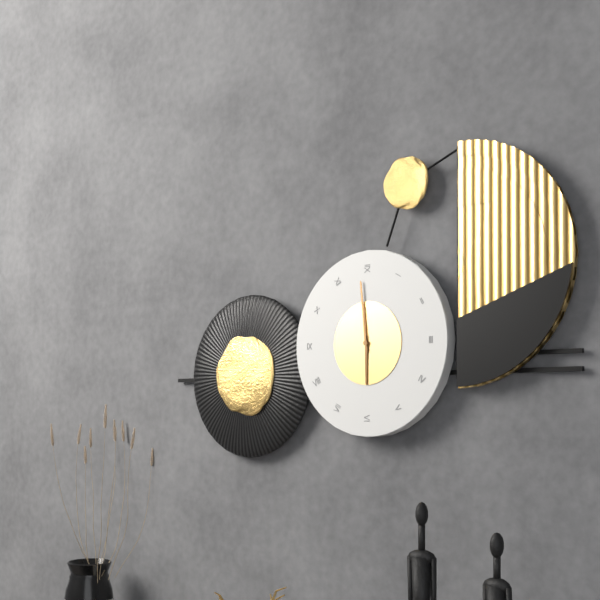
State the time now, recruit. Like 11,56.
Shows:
5,59
